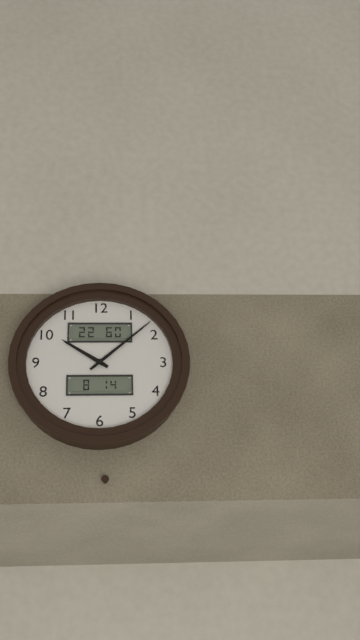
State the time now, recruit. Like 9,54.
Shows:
10,08
